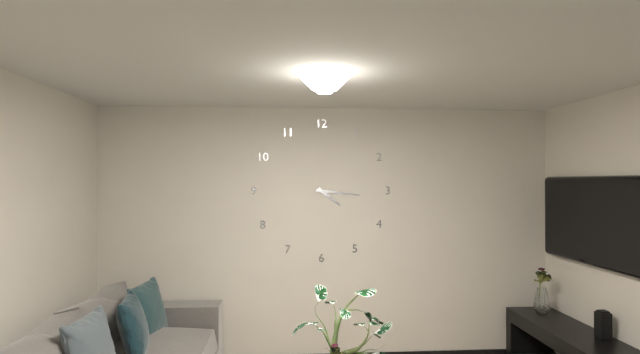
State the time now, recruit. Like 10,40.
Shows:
4,16
